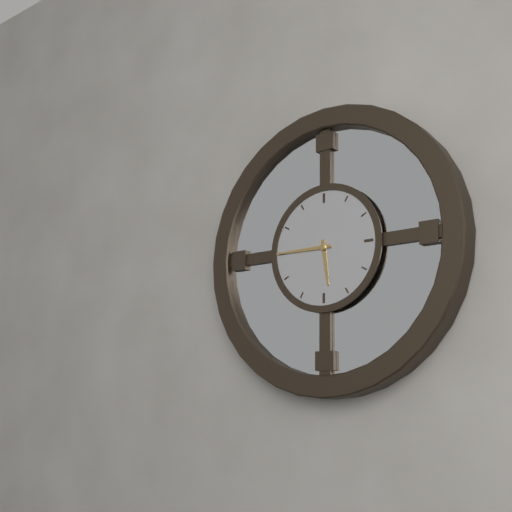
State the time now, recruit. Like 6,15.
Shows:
5,45
